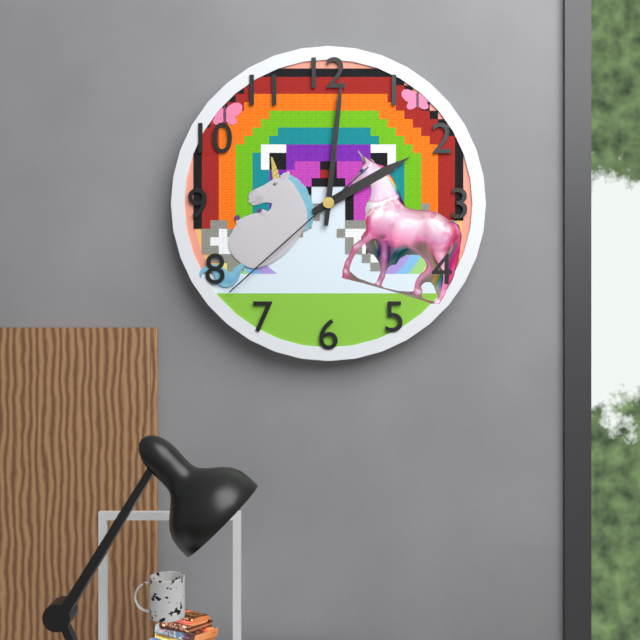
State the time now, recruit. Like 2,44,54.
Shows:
2,01,38
